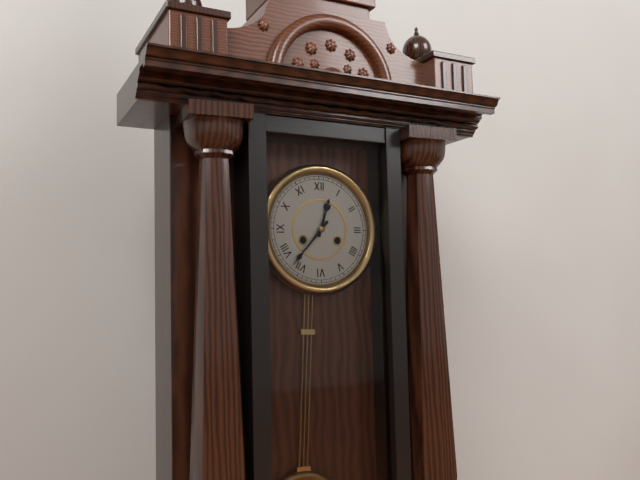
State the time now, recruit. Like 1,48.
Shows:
12,37
